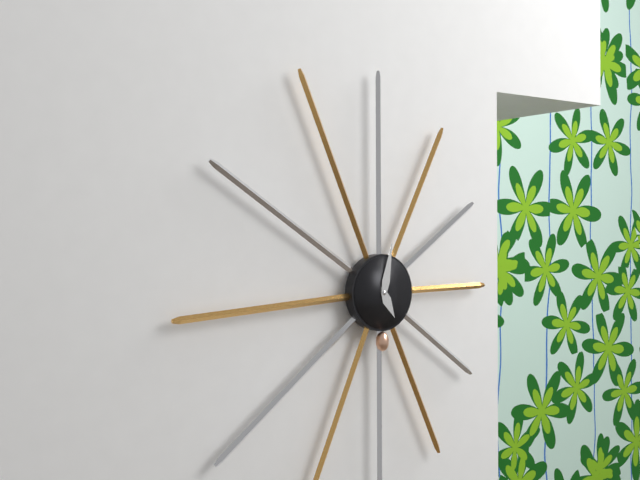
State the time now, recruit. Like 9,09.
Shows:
5,02
